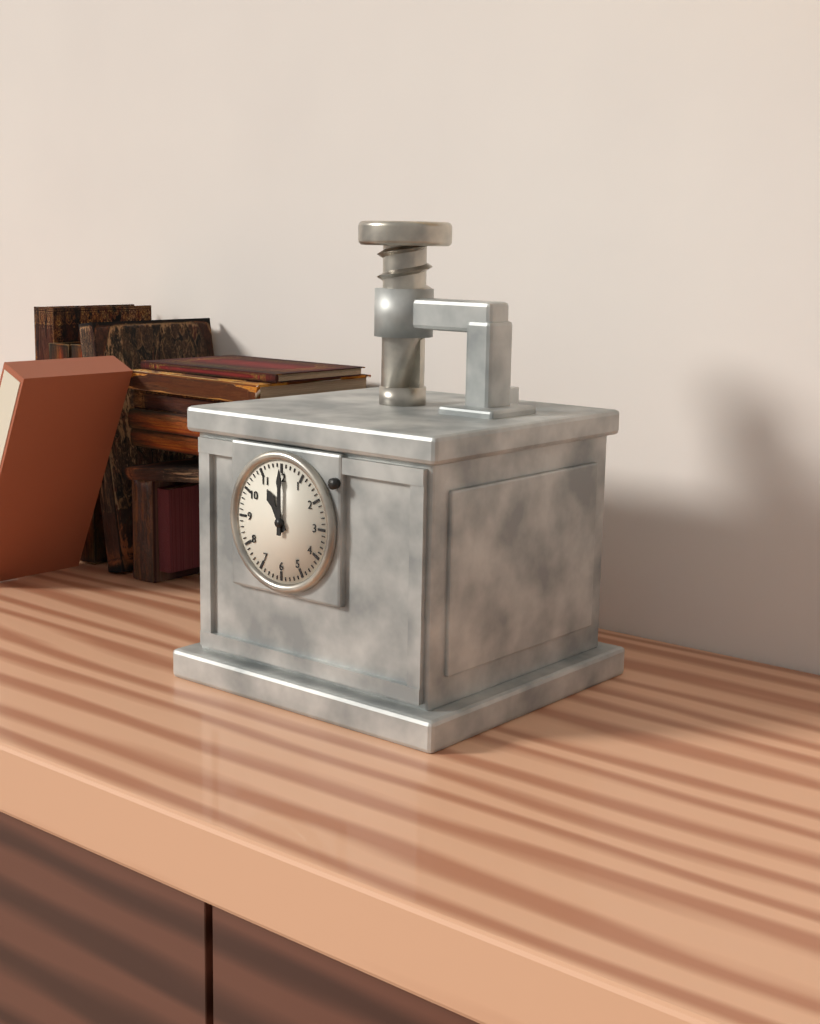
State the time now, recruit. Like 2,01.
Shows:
11,00
